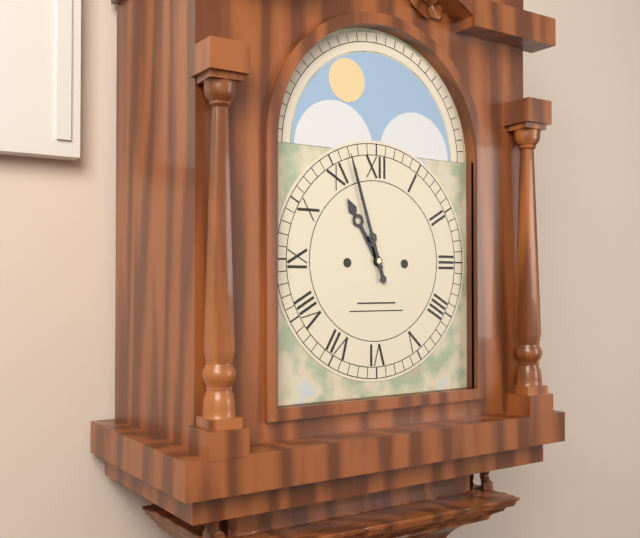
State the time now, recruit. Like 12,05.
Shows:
10,57
